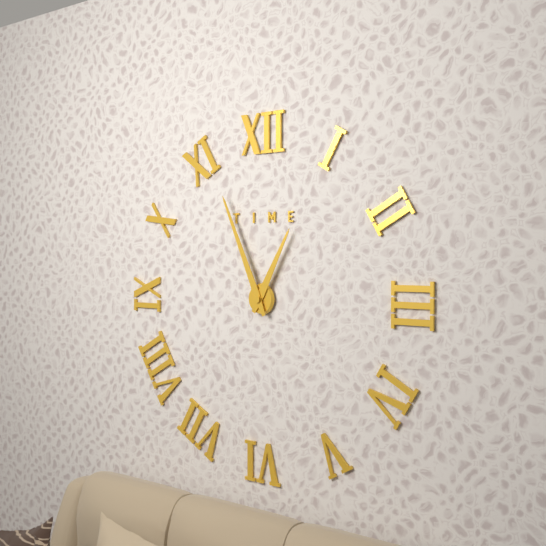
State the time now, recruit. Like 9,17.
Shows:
12,56
